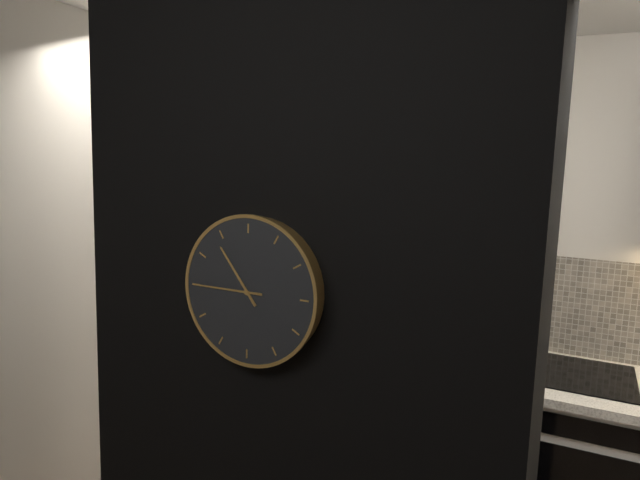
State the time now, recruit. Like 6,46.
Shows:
10,45
